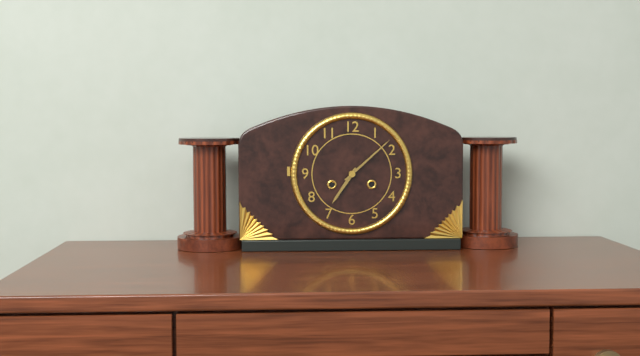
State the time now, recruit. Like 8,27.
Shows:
7,08
